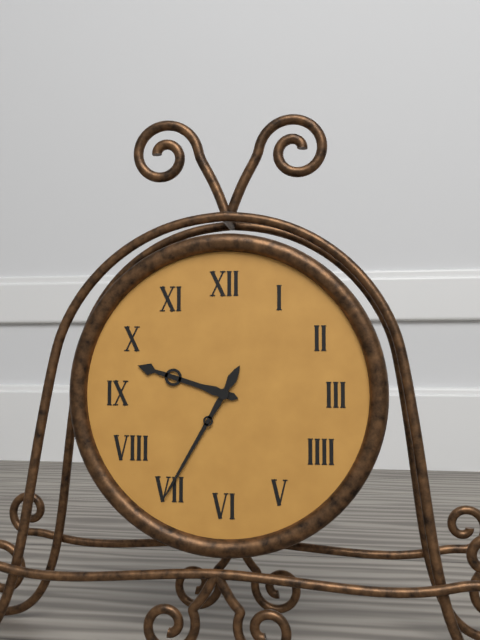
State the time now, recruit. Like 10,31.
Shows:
9,35
